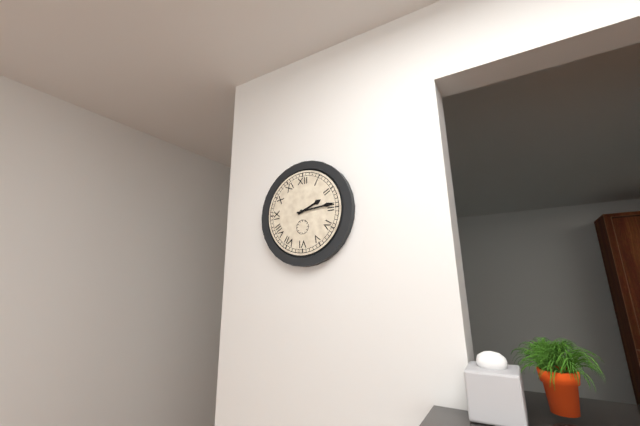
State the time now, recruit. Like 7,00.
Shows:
2,14
